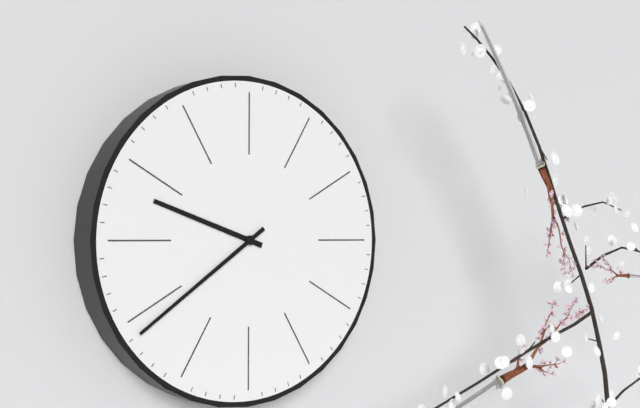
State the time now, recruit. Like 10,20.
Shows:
9,39
